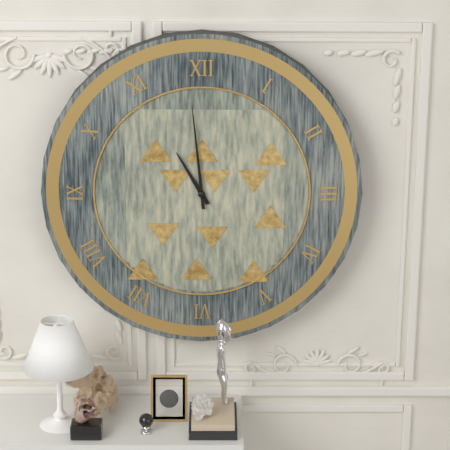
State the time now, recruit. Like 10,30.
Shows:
10,59
